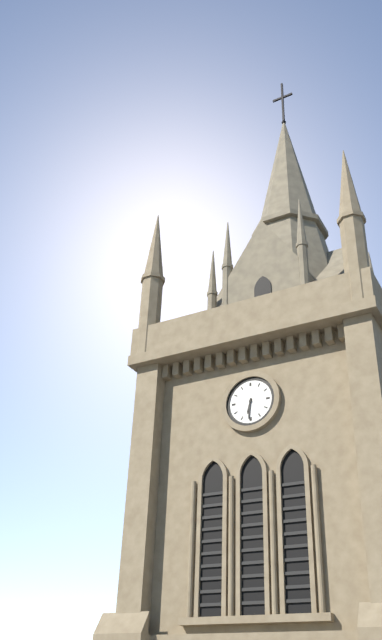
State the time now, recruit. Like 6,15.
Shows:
6,31
